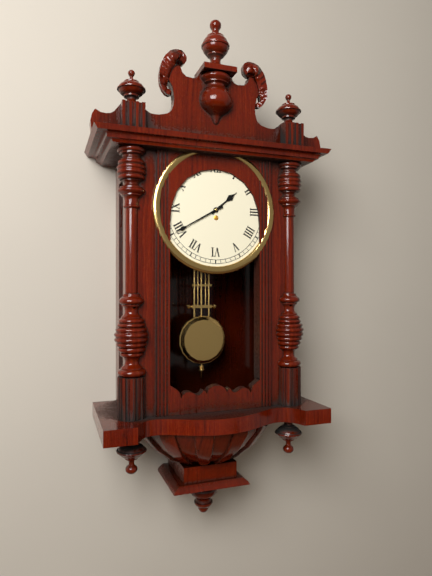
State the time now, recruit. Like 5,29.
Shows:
1,40
